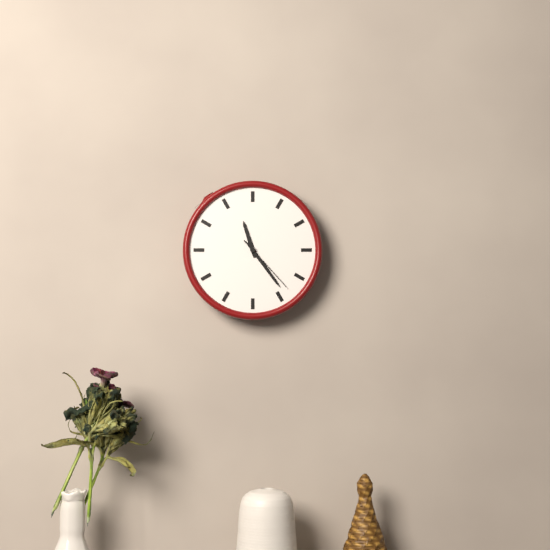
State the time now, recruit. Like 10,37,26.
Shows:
11,24,23
